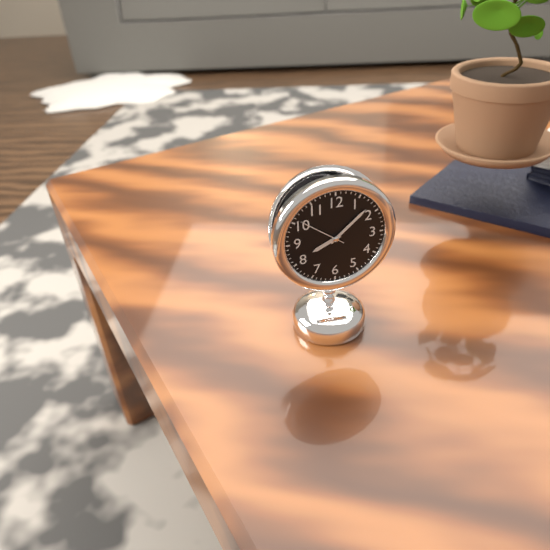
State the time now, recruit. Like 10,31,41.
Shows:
8,08,51
